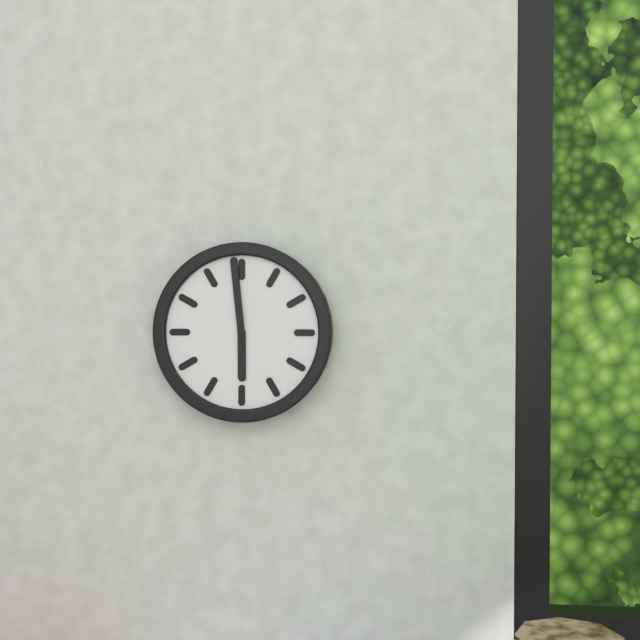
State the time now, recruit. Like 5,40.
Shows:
5,59
